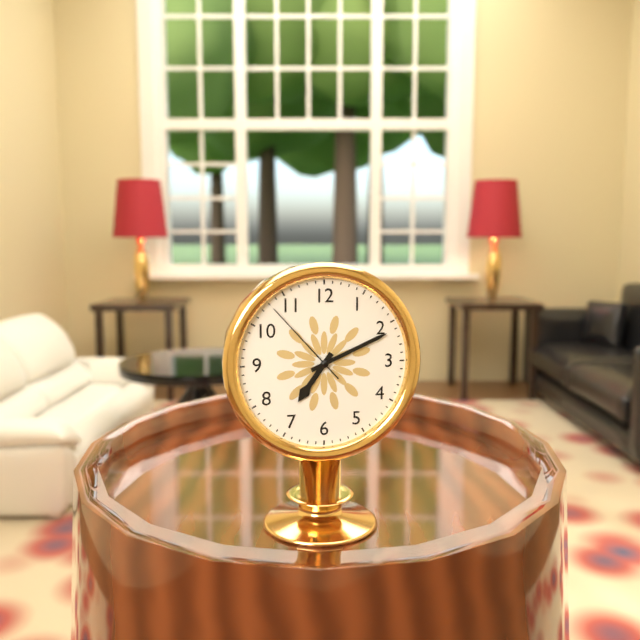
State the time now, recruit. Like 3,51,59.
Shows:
7,11,53
